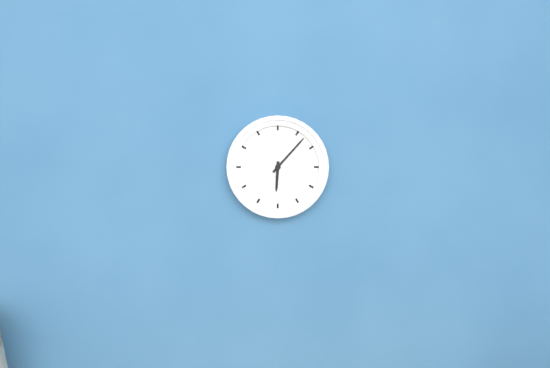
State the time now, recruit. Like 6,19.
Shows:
6,07
